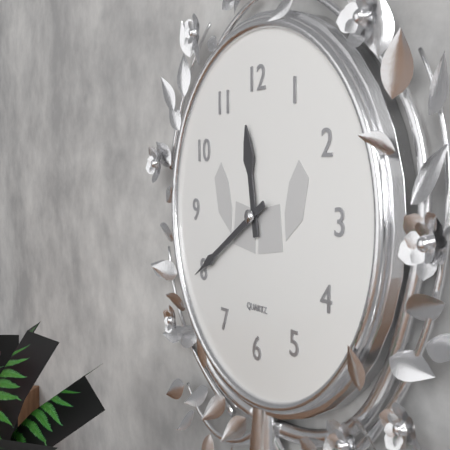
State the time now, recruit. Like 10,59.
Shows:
11,40
